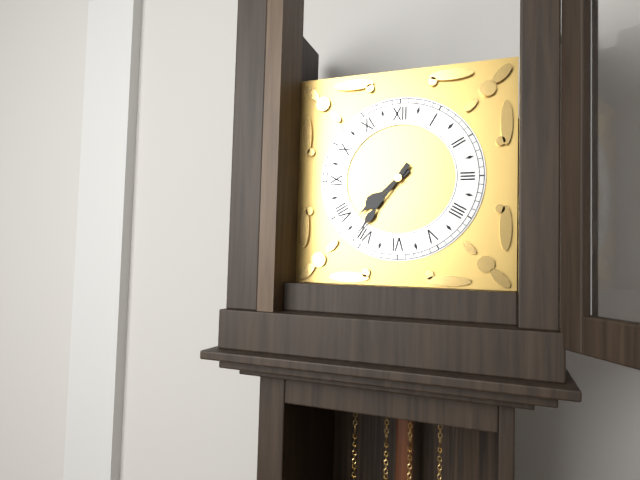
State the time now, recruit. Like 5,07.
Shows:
7,36
